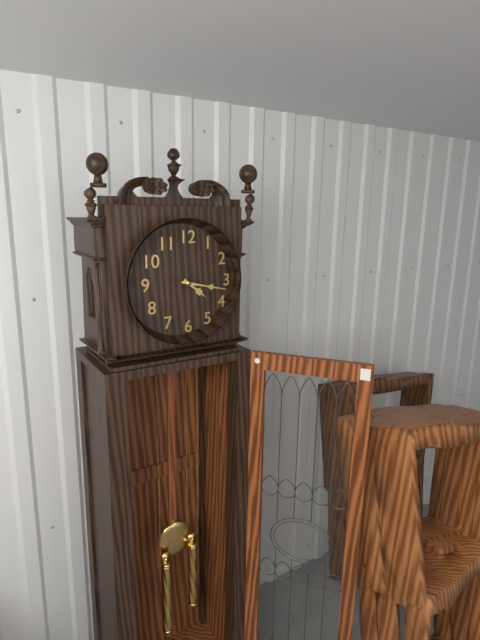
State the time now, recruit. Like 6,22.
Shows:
4,17
